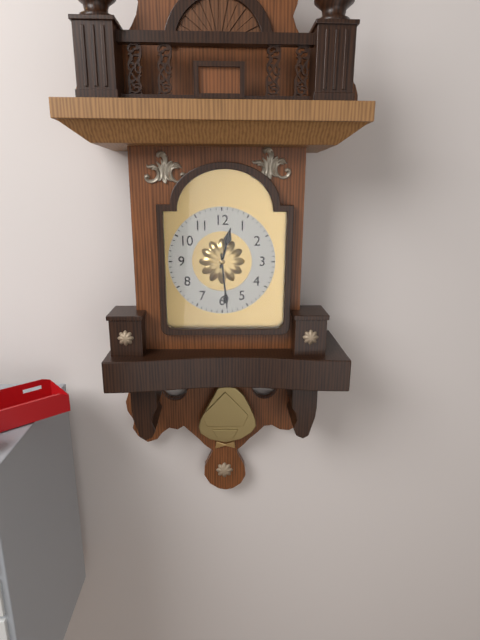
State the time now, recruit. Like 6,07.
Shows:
12,29
